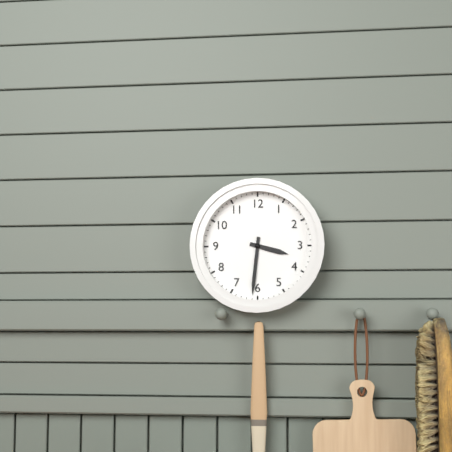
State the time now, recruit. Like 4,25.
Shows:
3,31
